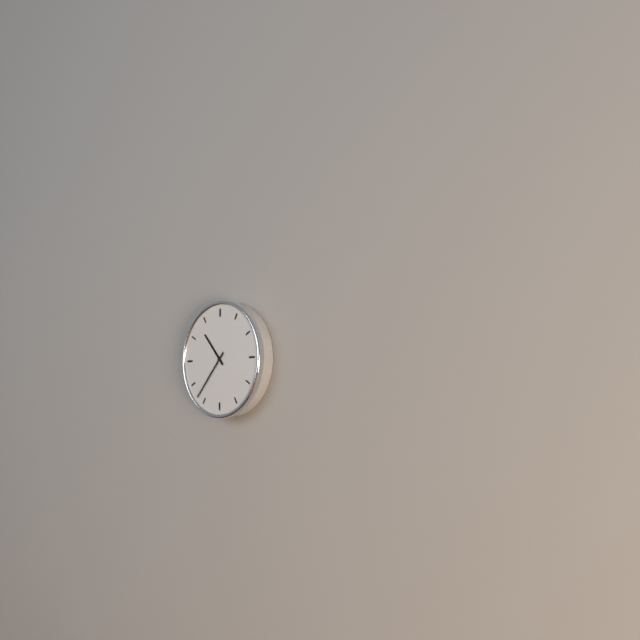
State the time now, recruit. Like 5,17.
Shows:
10,37
